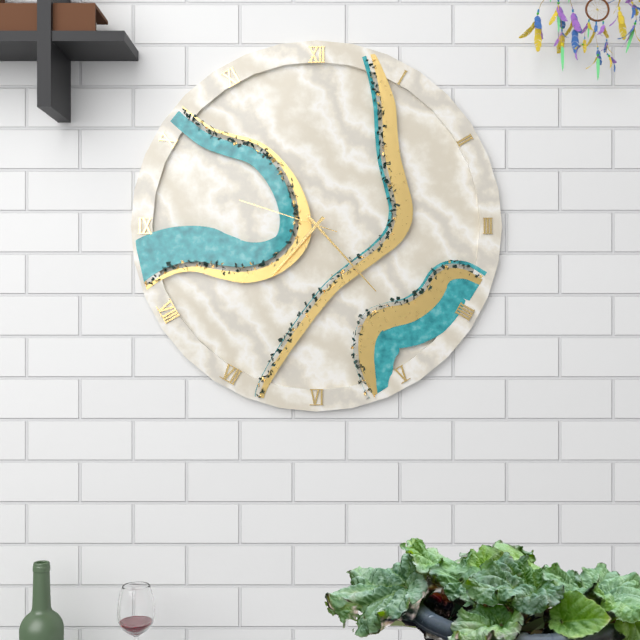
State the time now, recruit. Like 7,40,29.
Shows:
7,23,48
